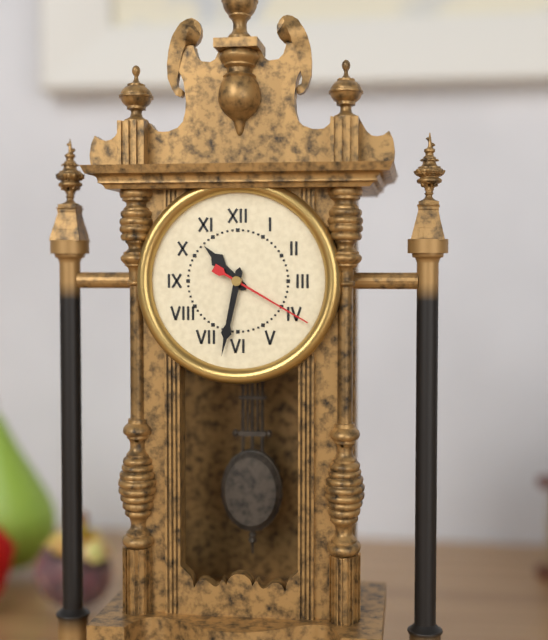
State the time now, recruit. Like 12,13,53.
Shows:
10,32,20
